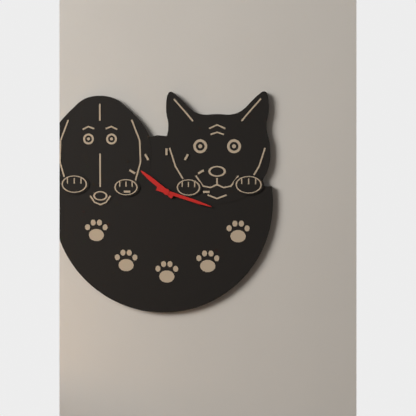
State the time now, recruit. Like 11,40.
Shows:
10,18
